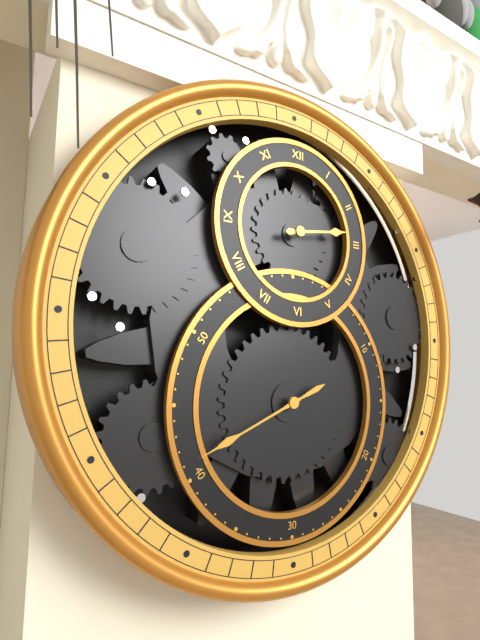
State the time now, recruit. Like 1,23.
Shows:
2,41
